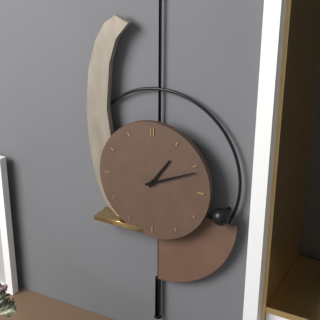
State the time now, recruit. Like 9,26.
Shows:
1,11
